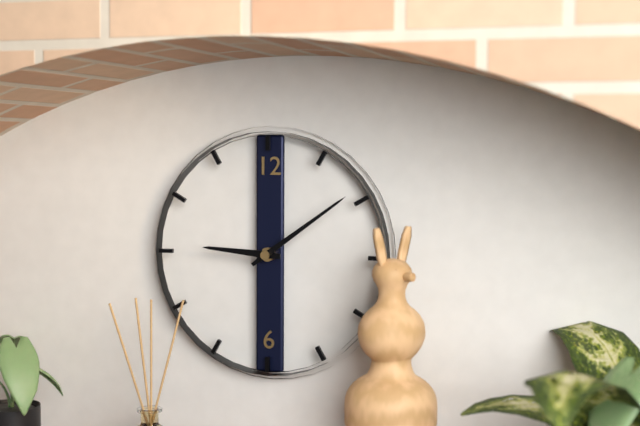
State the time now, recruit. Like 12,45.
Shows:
9,09
